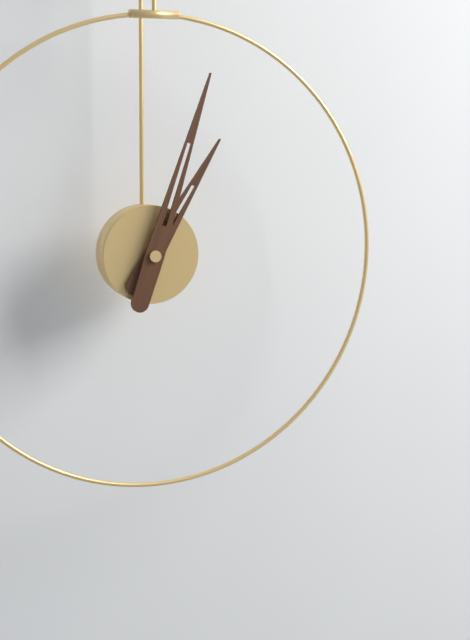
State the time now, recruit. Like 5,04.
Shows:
1,03
